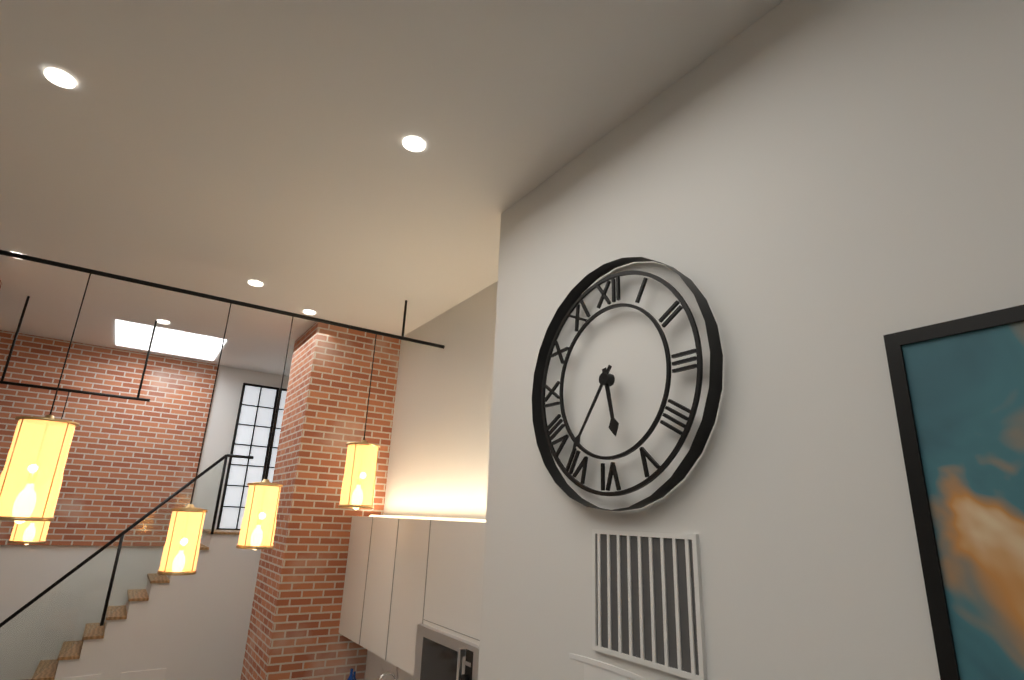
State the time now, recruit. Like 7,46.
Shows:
5,36
